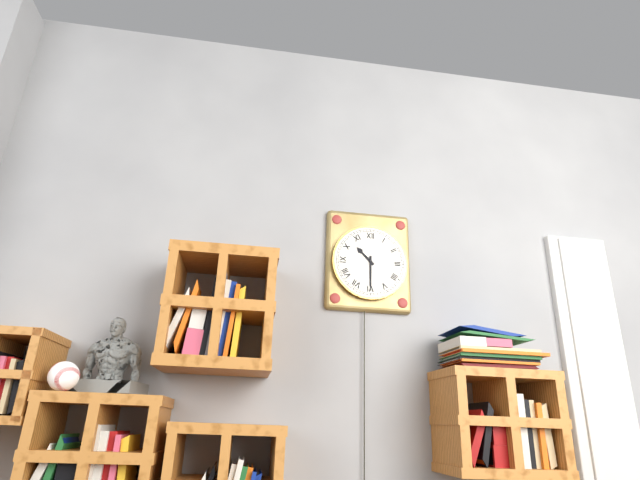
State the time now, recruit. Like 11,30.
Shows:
10,30
